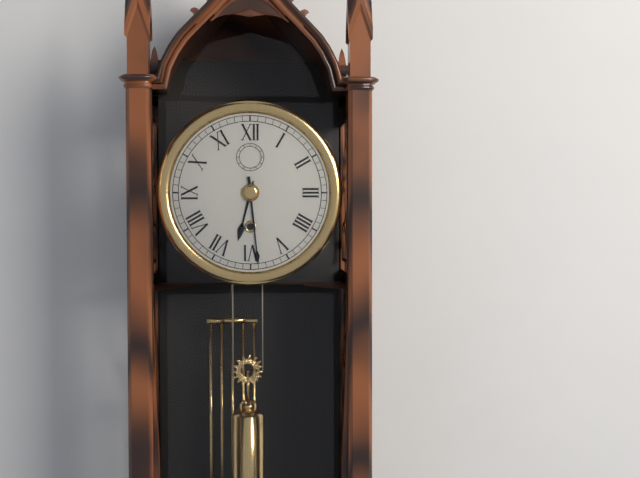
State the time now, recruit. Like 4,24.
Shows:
6,29
